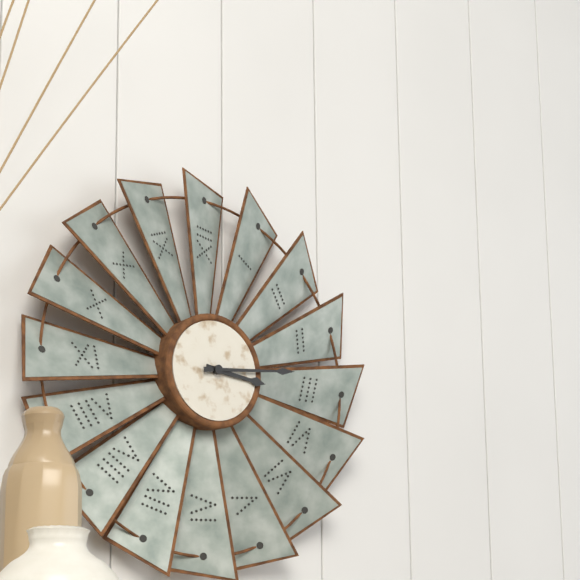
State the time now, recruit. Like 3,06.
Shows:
3,14
